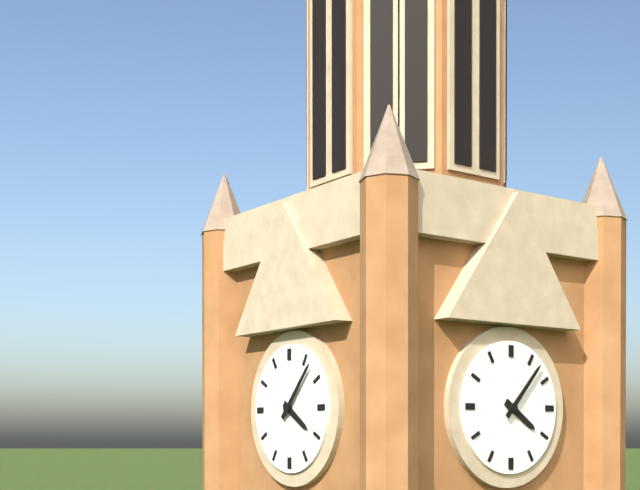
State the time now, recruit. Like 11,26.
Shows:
4,07
